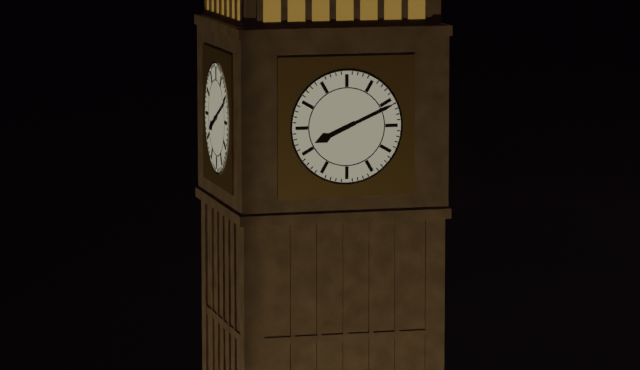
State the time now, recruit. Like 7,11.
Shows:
8,11
